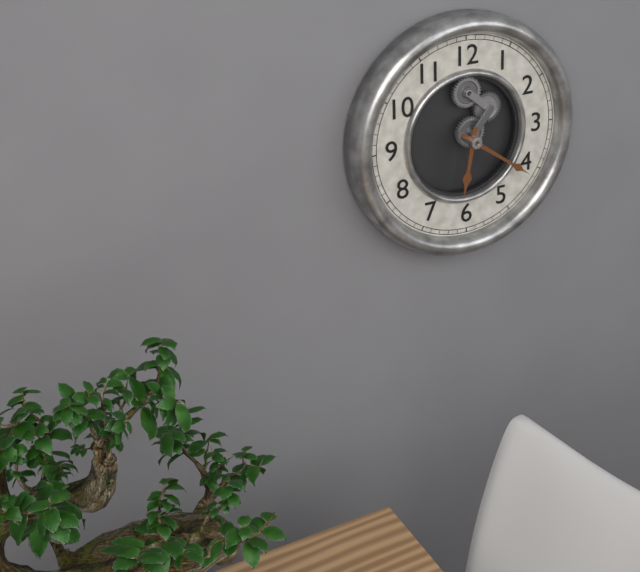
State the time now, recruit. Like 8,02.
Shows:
6,21
